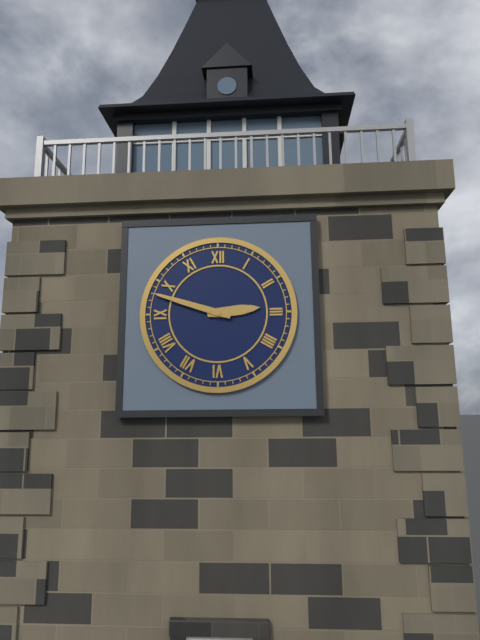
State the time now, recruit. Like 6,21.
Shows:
2,48
